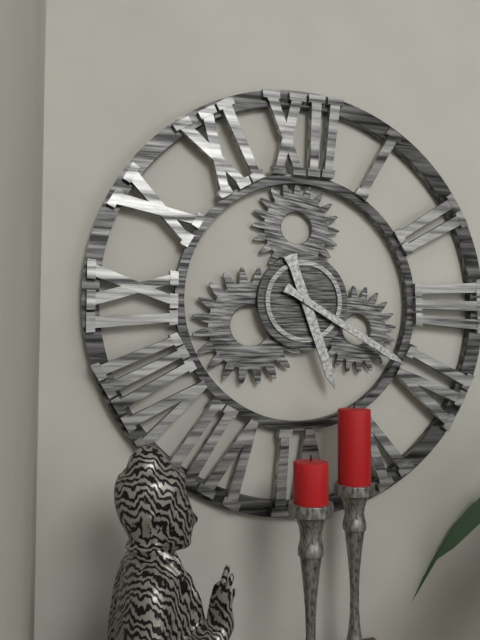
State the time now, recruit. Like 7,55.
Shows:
5,20
